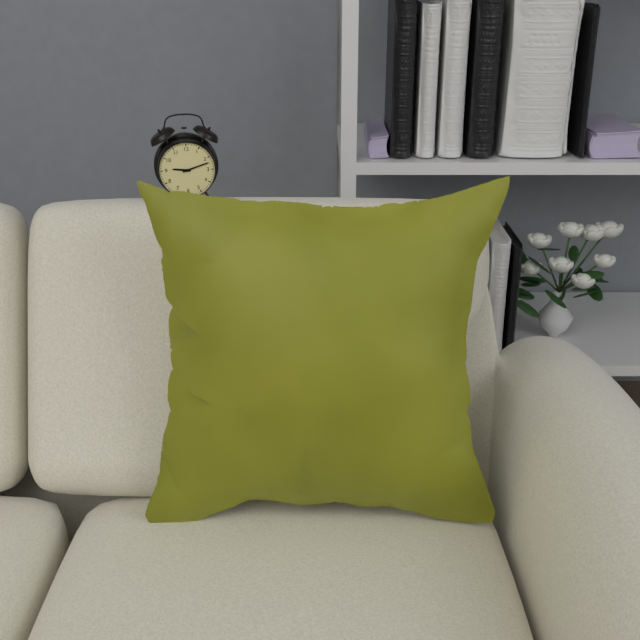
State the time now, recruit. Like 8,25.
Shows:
9,12
